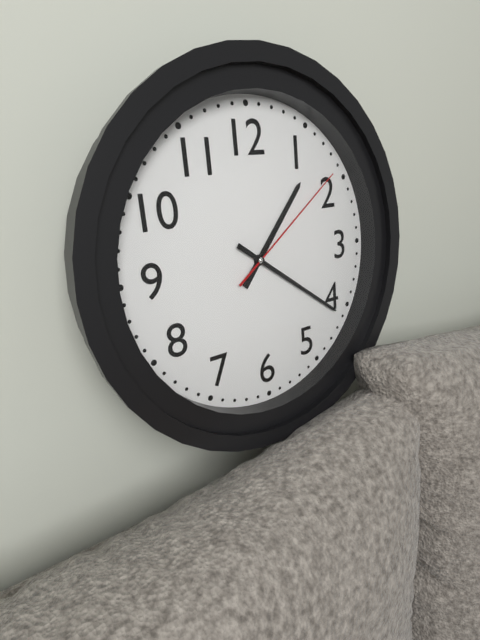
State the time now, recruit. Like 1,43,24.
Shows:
1,21,09
